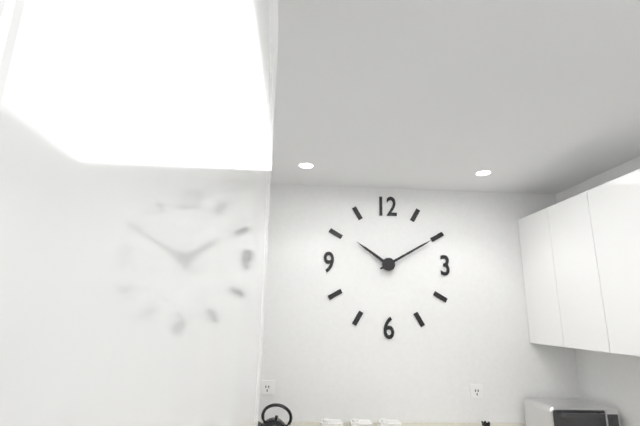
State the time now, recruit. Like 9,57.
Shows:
10,10
